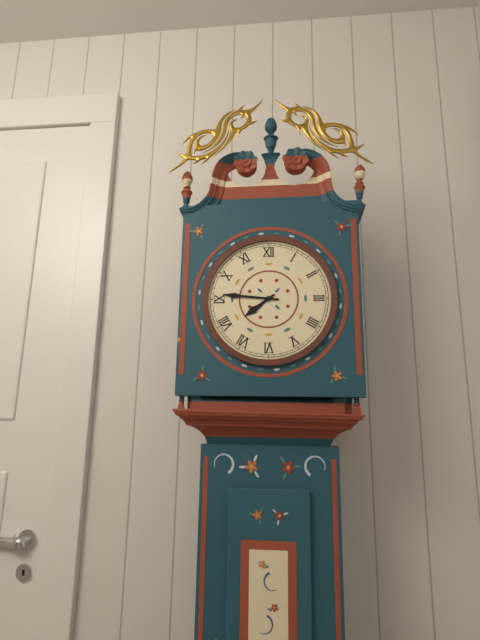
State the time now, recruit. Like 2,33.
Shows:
7,46
